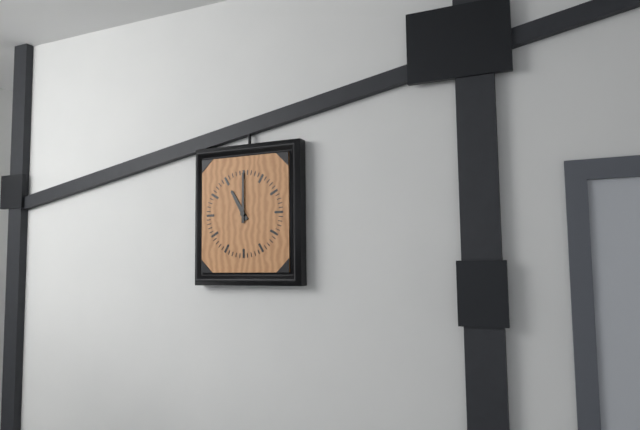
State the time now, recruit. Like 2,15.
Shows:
11,00
